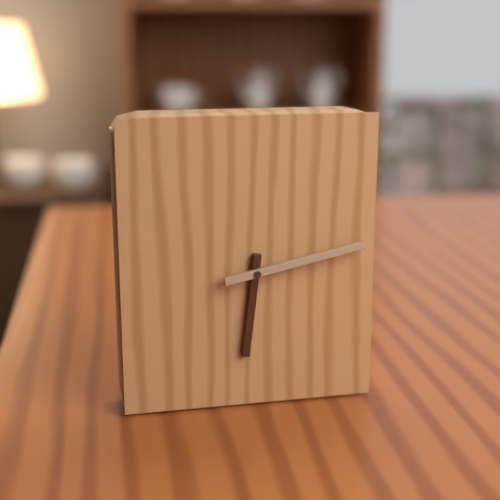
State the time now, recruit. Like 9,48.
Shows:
6,13
